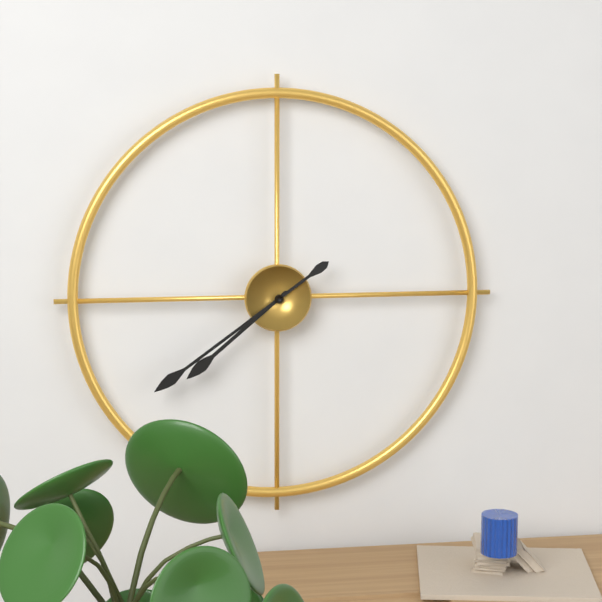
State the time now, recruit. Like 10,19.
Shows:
7,39
